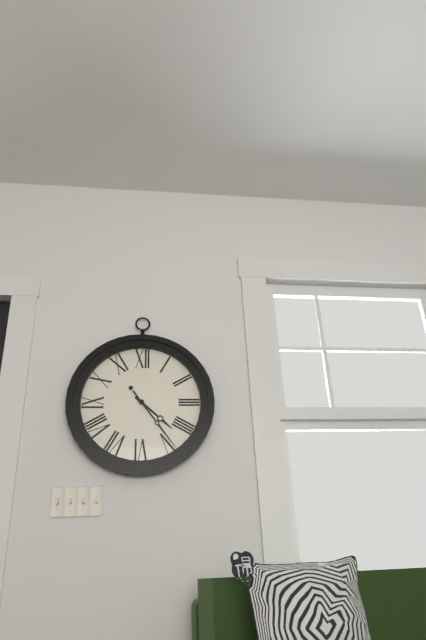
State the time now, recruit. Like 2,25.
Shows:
4,24
